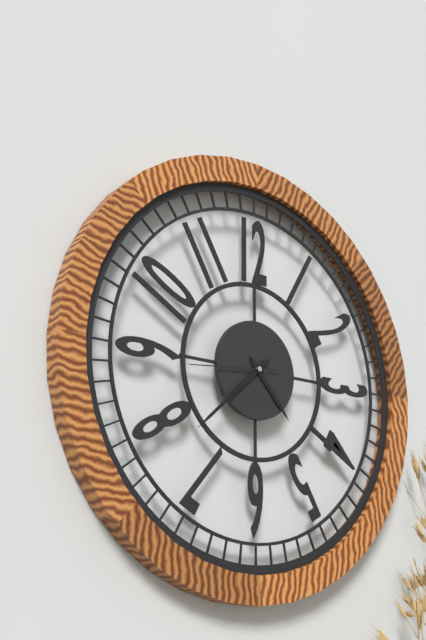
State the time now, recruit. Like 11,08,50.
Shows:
4,38,44
